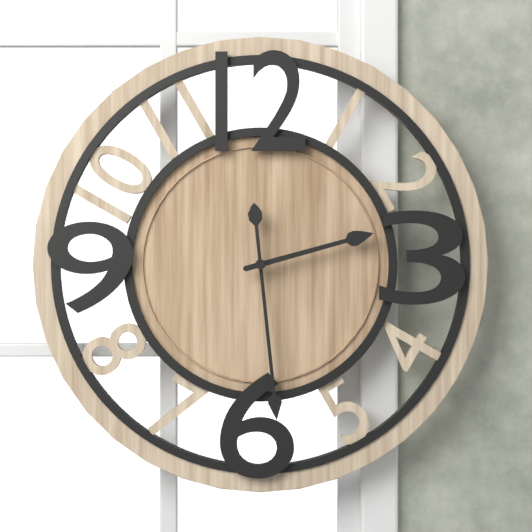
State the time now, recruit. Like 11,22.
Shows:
2,29
